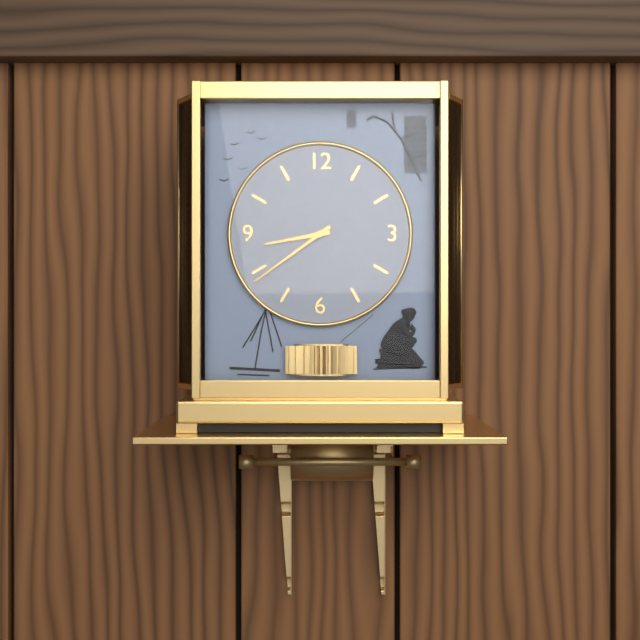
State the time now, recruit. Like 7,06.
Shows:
8,39
